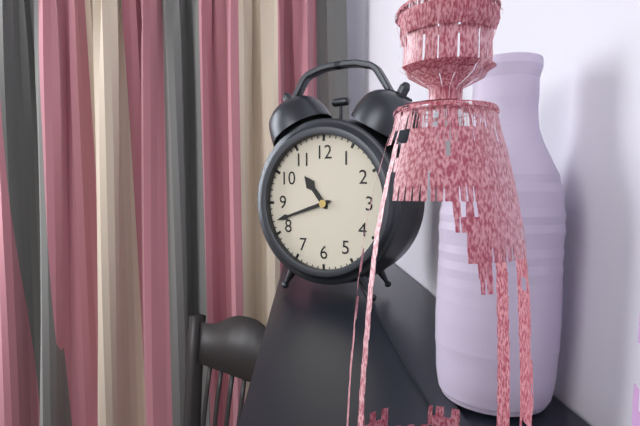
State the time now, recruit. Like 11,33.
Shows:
10,42
